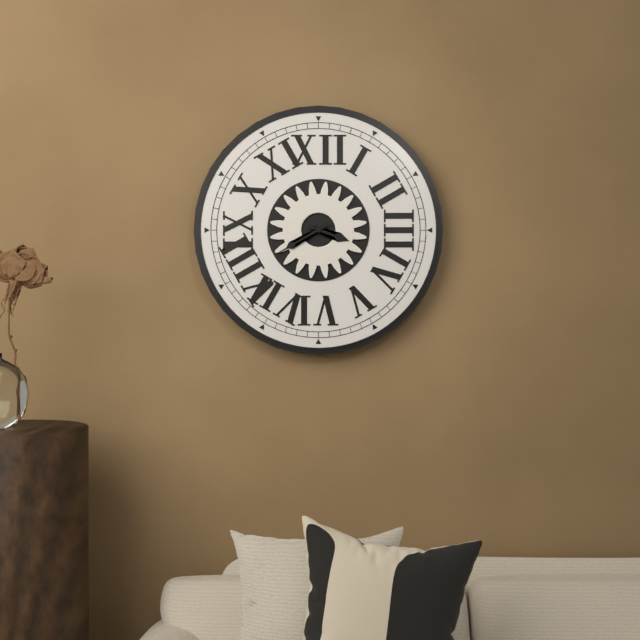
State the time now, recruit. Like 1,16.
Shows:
3,40
